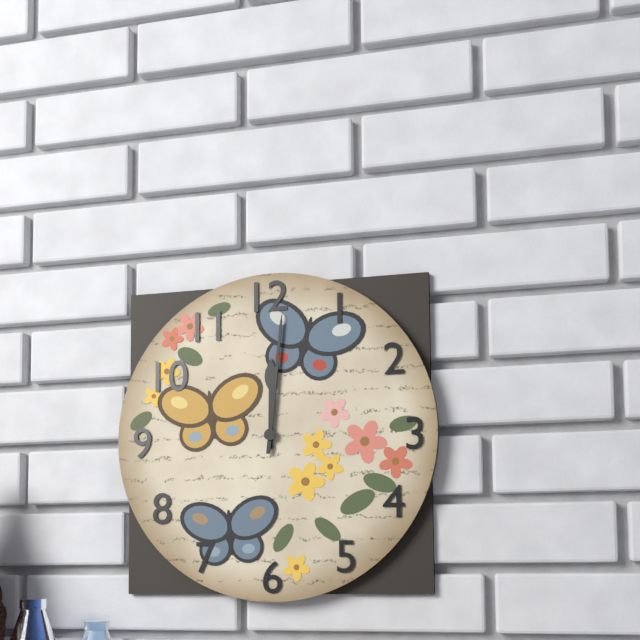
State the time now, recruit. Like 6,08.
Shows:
12,01
